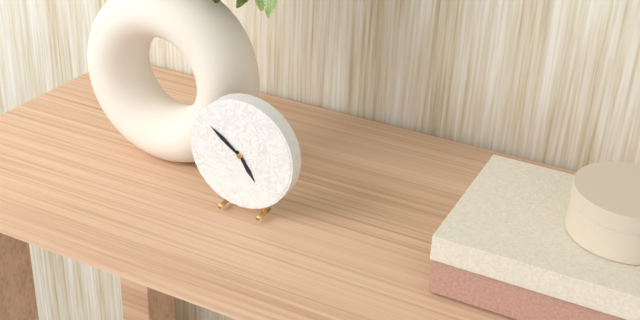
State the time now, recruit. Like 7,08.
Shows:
4,51
